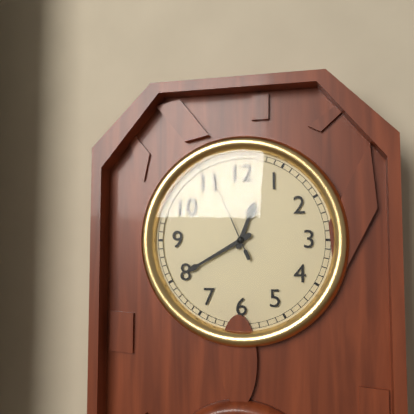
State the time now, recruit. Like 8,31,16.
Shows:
12,40,56
